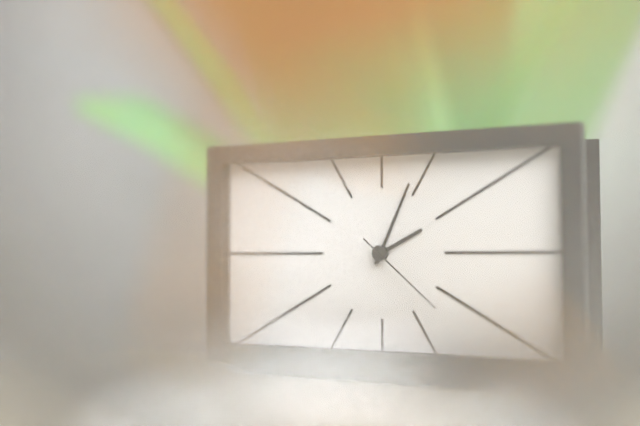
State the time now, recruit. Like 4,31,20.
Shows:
2,04,22
